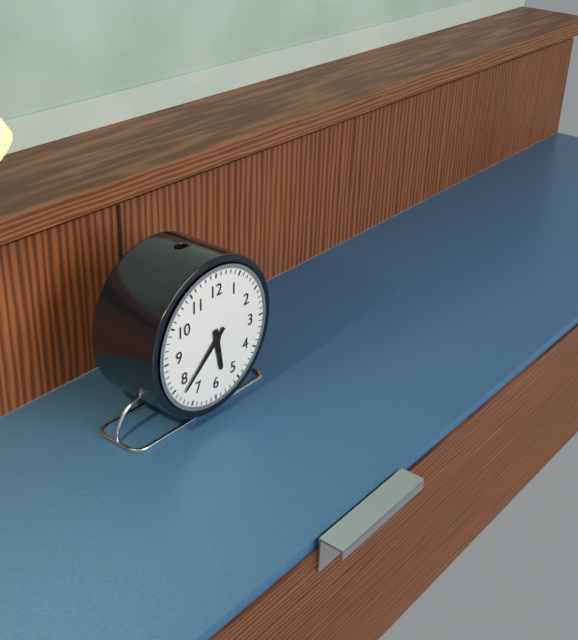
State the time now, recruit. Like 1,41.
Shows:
5,38
